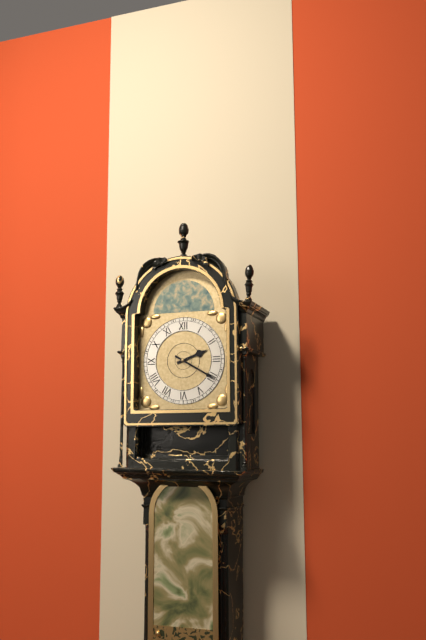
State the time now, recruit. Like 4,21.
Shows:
2,20
